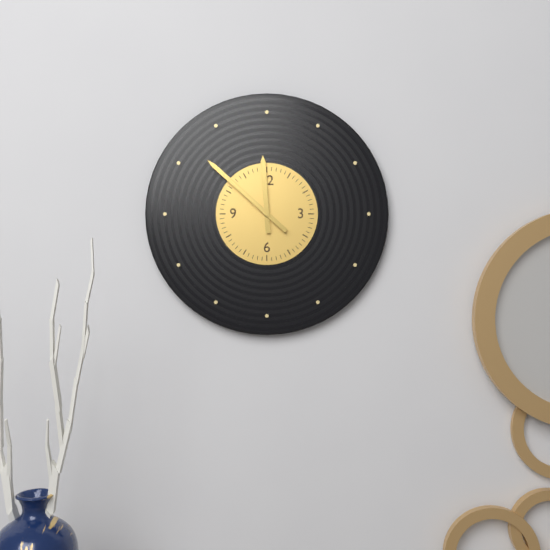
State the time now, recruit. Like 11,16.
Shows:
11,52
